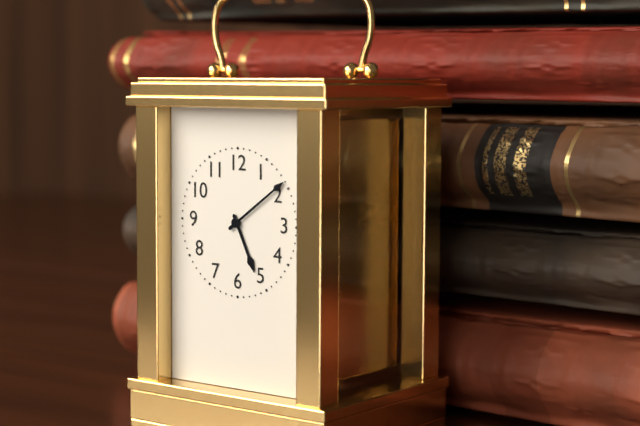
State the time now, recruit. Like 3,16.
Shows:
5,09
